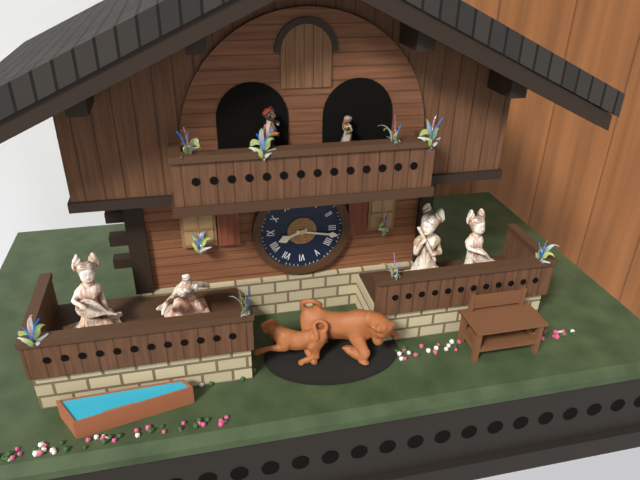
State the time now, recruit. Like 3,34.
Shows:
8,17
